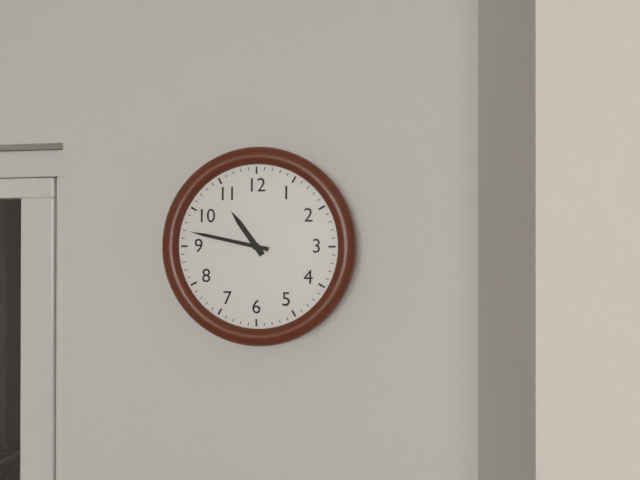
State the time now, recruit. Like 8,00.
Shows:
10,47
